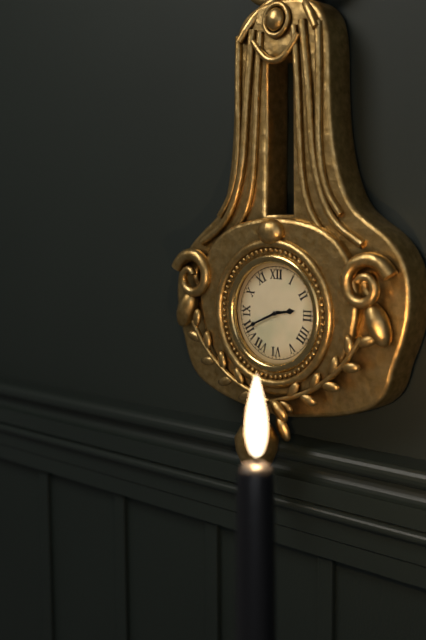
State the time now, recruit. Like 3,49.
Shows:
2,41
